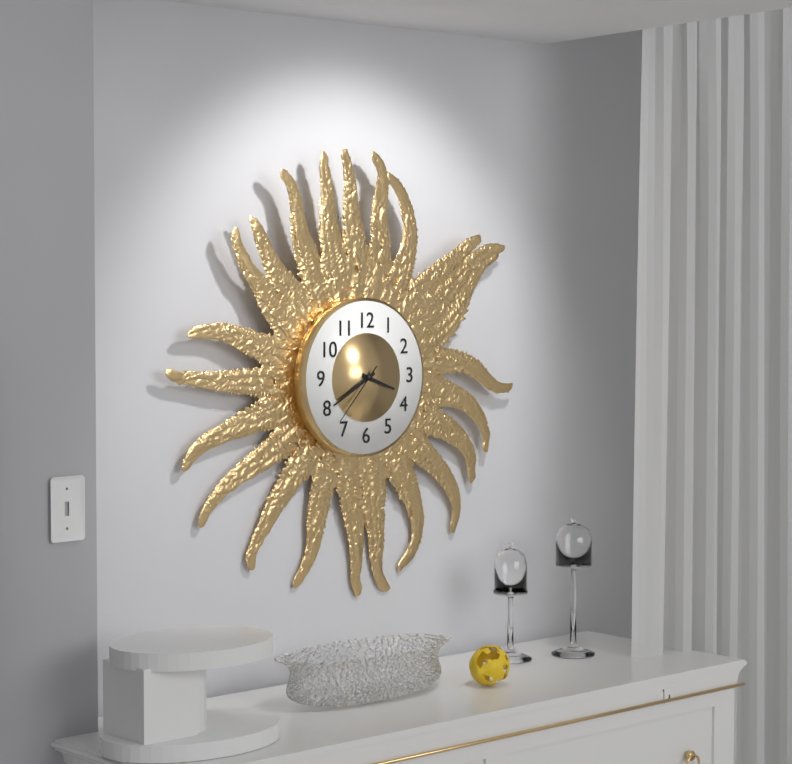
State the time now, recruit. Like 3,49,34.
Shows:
3,40,37
